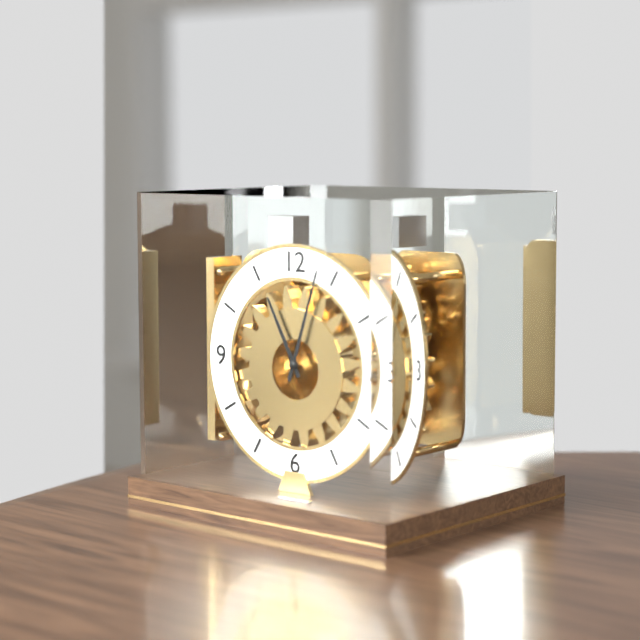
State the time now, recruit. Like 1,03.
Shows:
11,03
